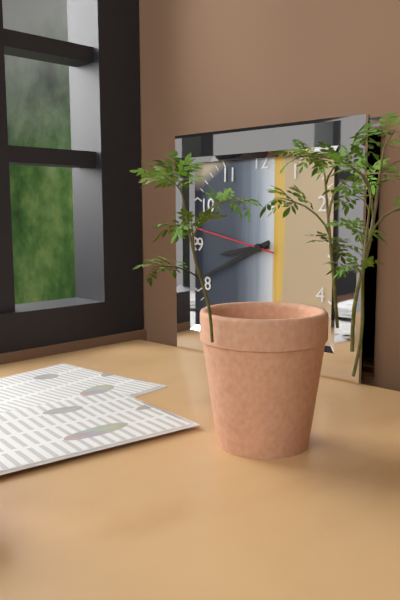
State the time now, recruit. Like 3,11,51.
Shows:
8,41,47
